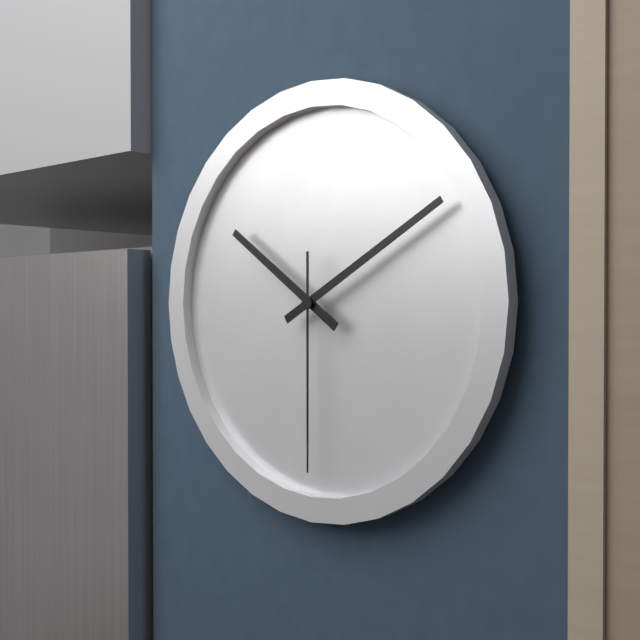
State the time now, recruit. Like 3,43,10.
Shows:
10,10,30
